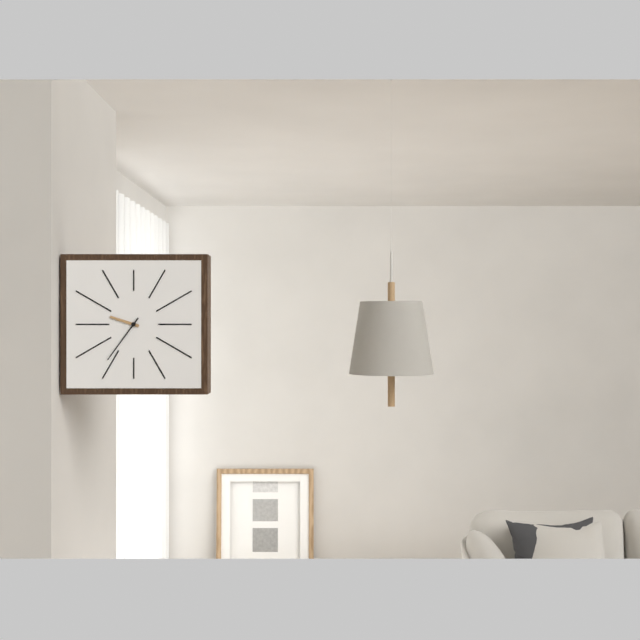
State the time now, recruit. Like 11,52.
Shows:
9,36
